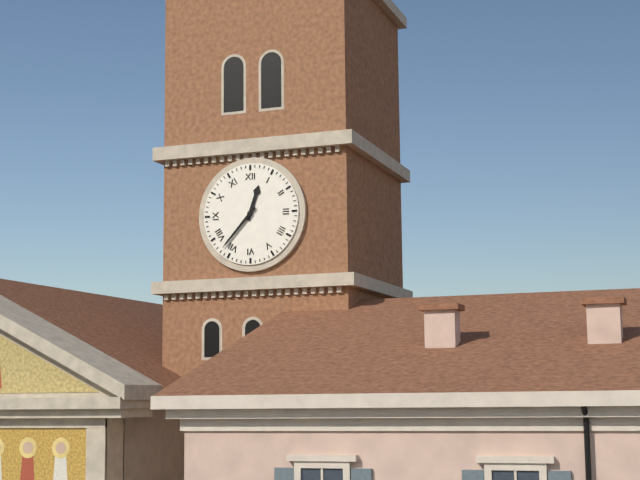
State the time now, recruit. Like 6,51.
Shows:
12,37
